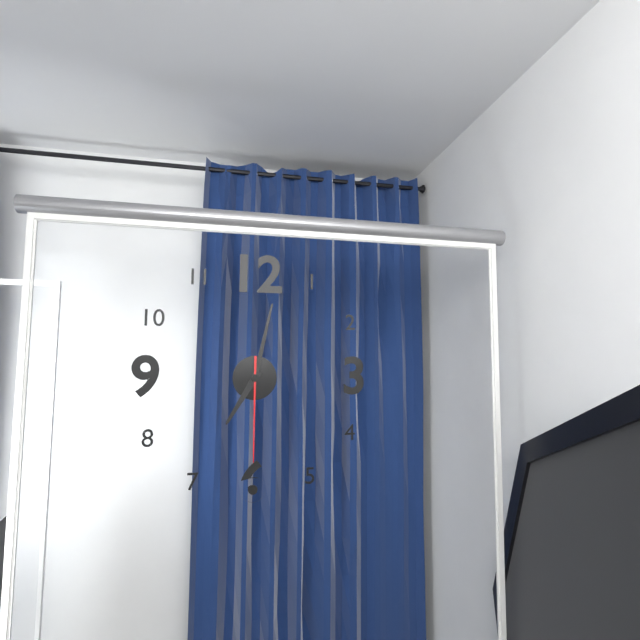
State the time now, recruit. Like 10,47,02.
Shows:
7,02,30
